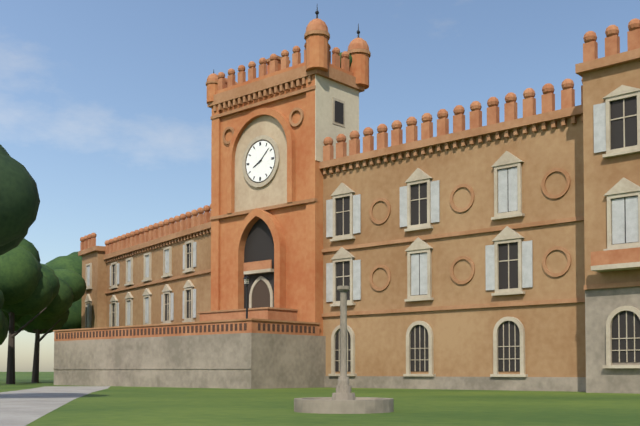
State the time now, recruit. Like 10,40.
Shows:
8,08
